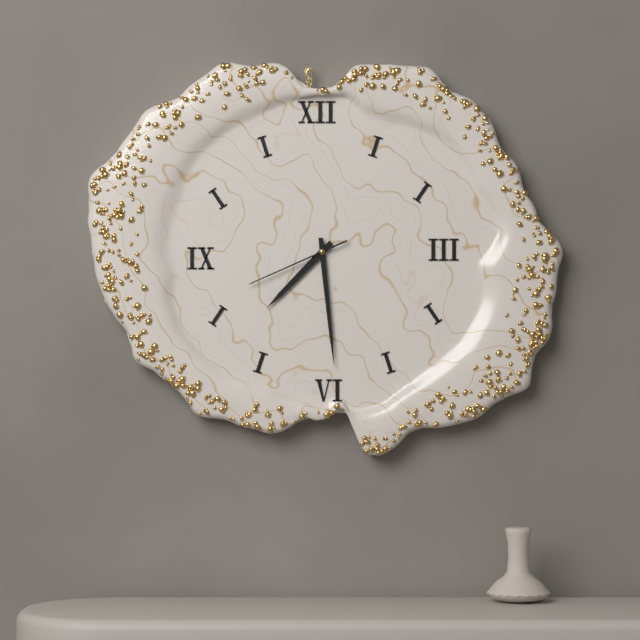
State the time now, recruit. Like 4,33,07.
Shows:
7,29,41
